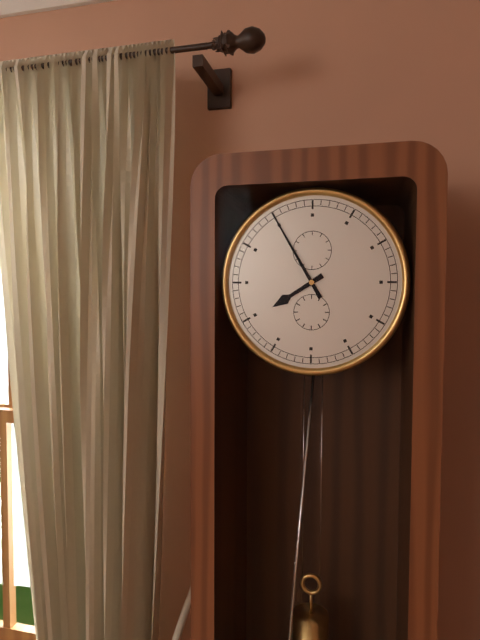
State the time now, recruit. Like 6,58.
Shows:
7,55
